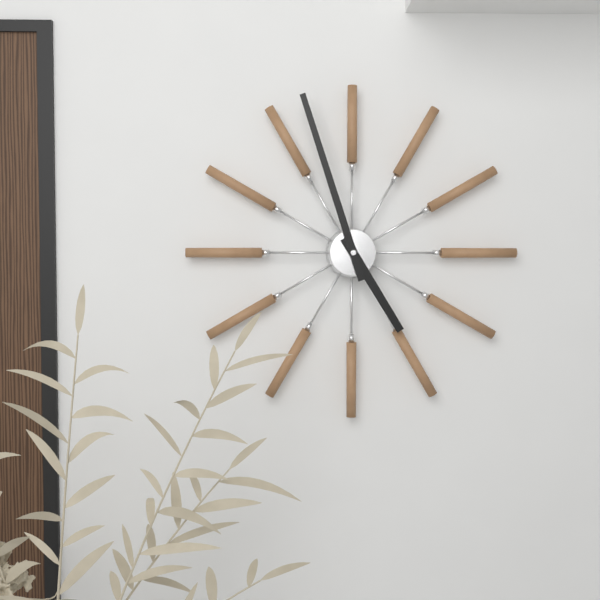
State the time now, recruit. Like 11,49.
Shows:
4,57
